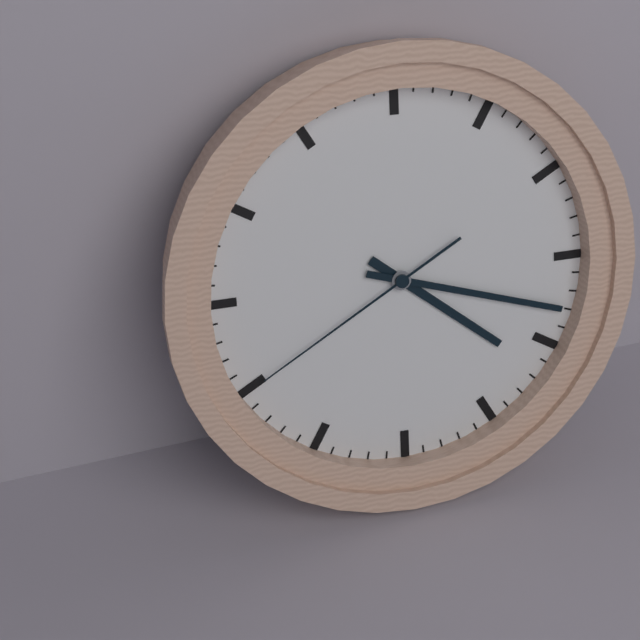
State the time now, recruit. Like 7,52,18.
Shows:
4,18,40
